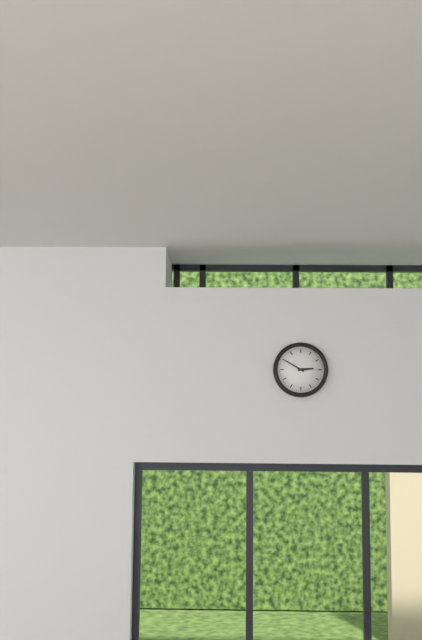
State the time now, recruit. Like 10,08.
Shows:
2,50
